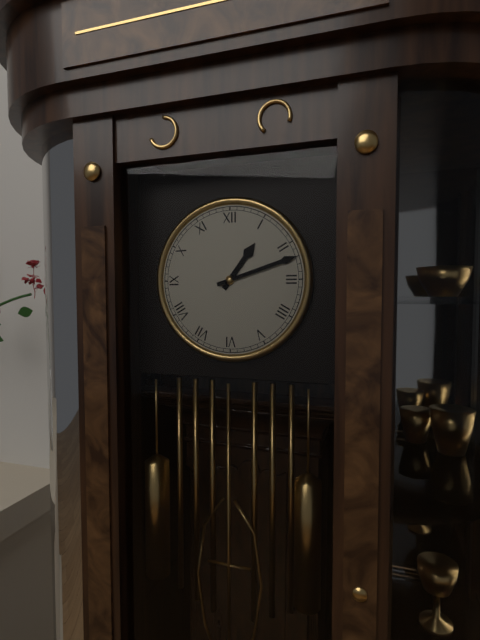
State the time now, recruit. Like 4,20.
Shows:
1,12
